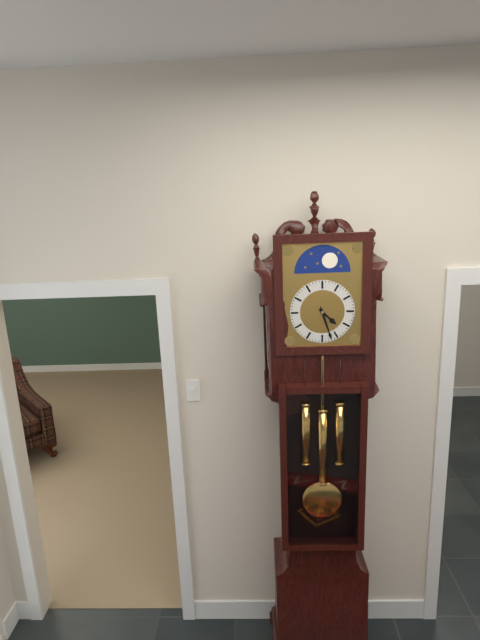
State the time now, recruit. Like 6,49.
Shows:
4,27
